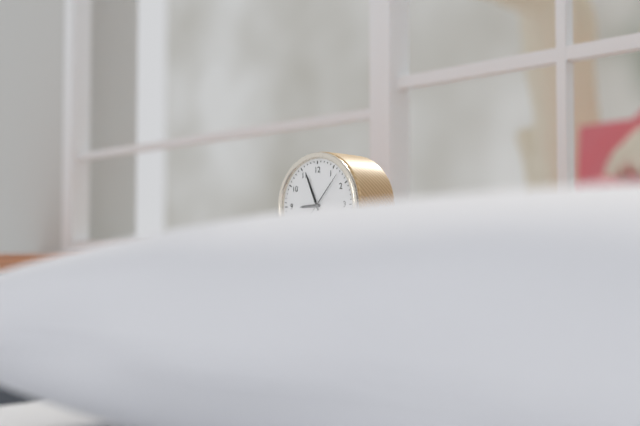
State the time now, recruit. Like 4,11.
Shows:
8,56
